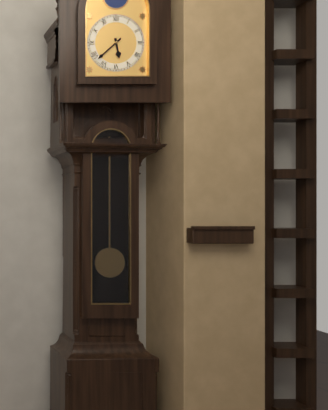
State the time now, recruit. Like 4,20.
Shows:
5,38
